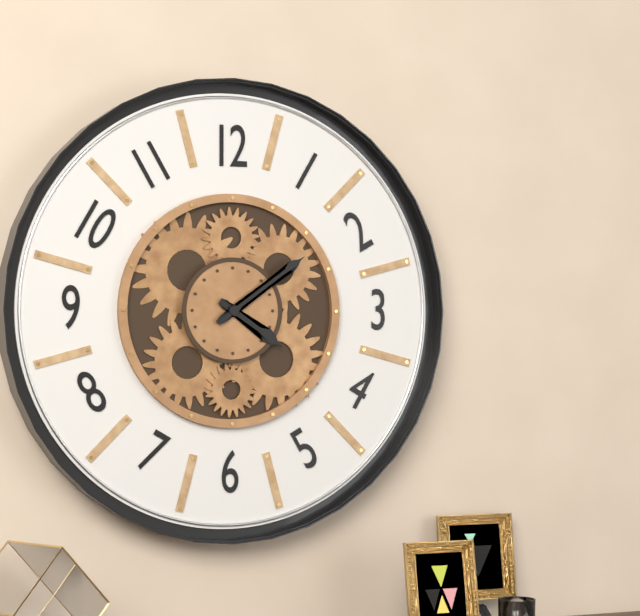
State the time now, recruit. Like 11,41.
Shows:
4,09
